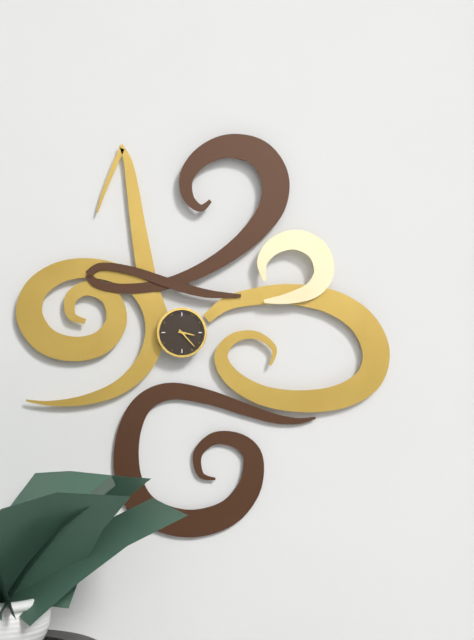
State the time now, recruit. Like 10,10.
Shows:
3,23
